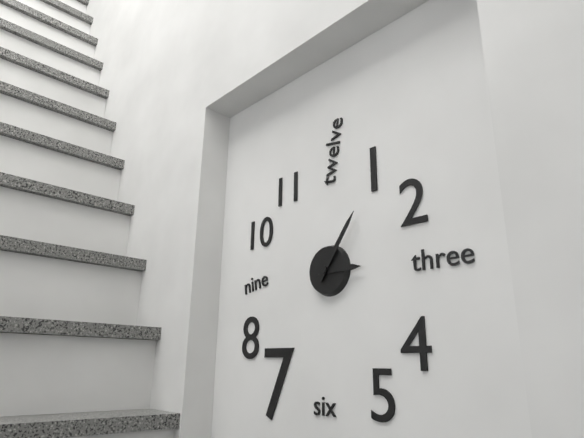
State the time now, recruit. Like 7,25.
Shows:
3,06
